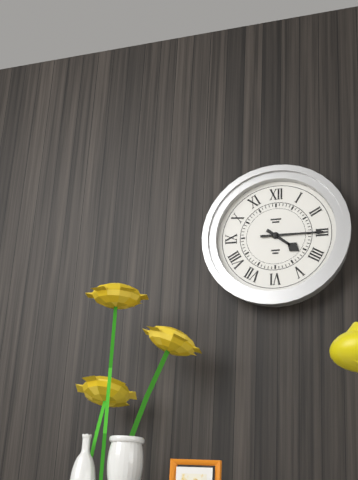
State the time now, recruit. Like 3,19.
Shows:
4,15
